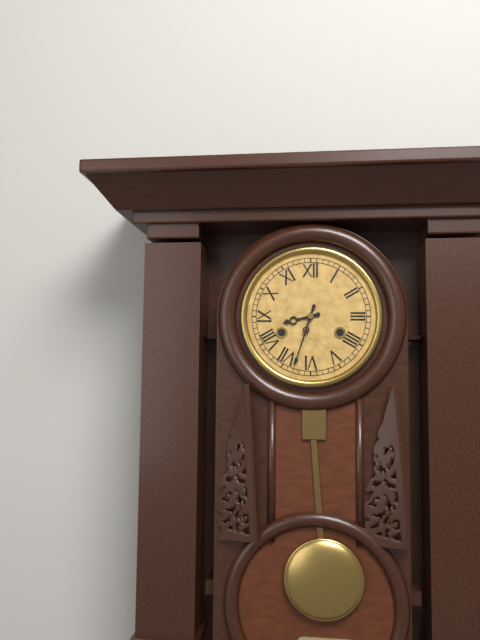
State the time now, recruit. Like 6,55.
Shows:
8,33
